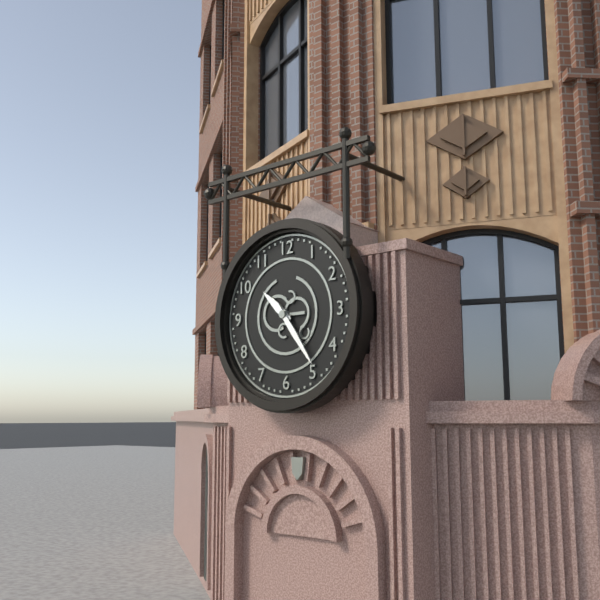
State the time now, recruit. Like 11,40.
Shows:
10,24
